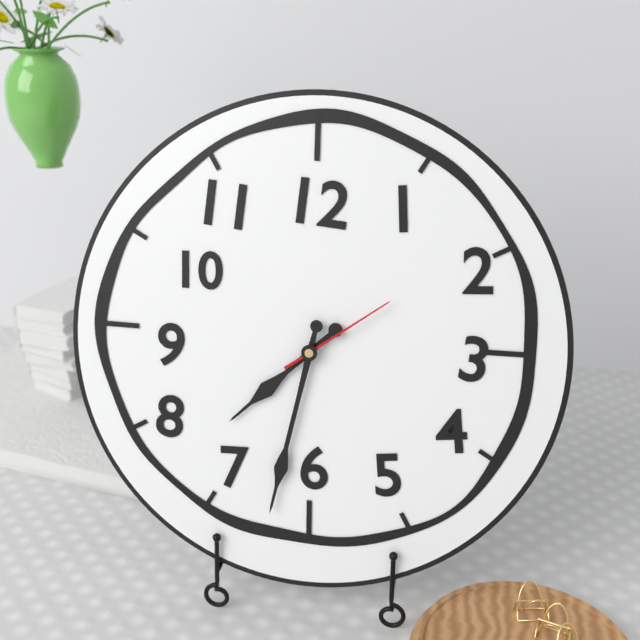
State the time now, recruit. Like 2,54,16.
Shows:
7,32,09
